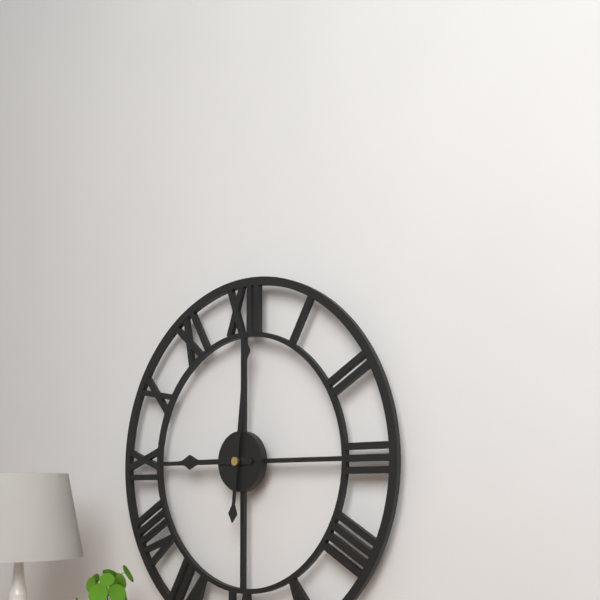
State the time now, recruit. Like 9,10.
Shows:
9,01
